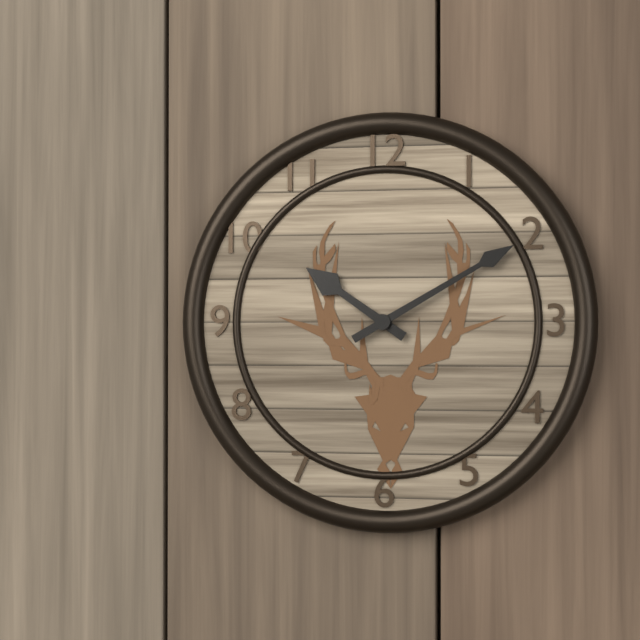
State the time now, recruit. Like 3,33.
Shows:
10,10
